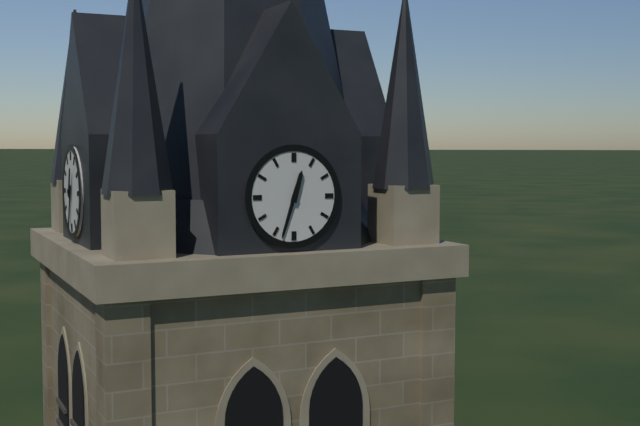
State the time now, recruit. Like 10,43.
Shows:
12,33
